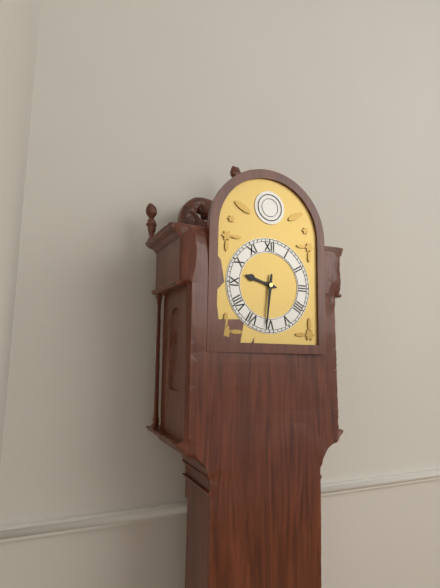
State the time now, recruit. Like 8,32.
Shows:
9,31
